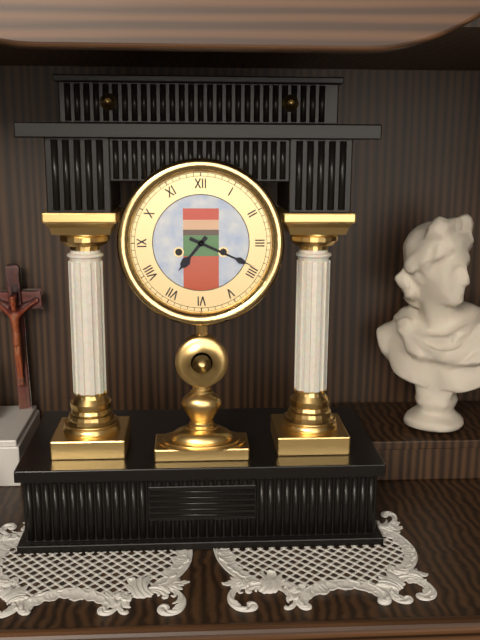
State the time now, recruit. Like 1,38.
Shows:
7,19
